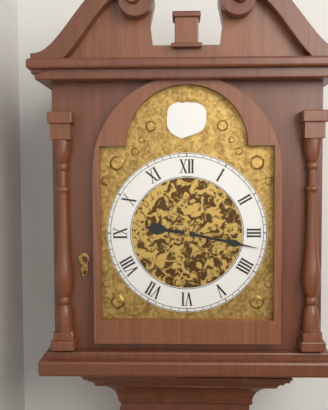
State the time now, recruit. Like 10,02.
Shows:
9,17
